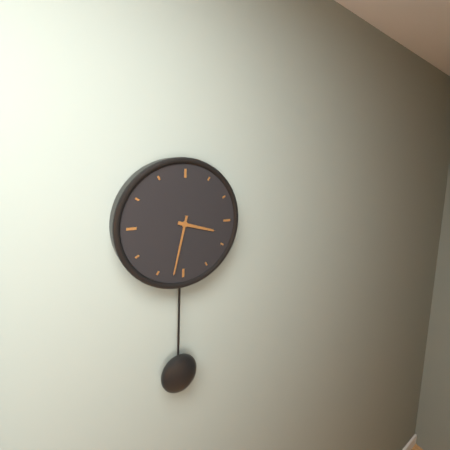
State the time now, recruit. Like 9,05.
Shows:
3,32
